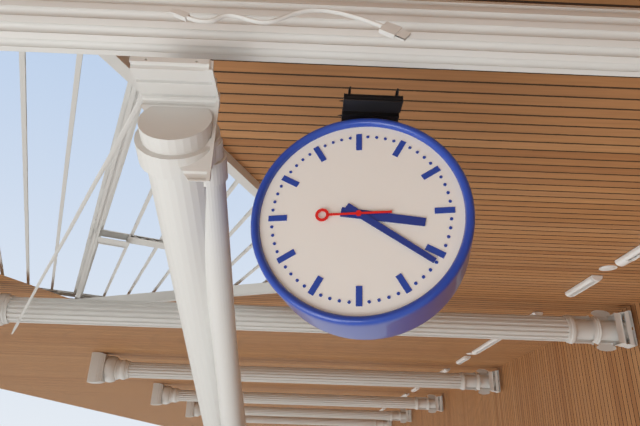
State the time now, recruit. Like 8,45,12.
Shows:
3,21,45
